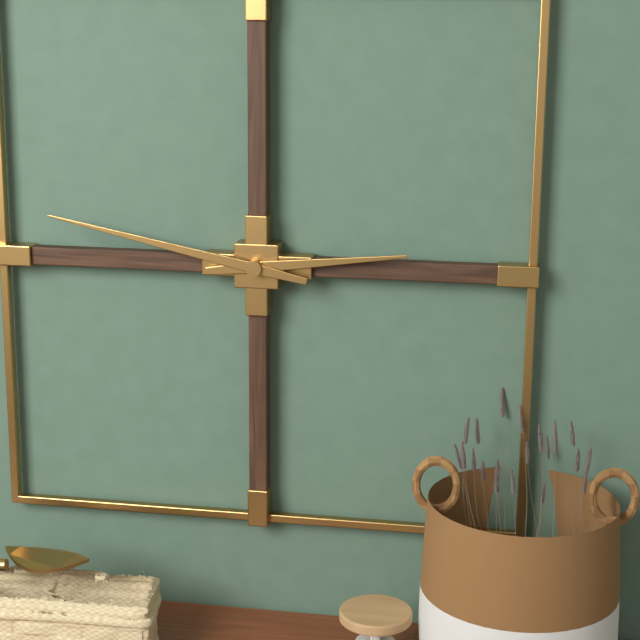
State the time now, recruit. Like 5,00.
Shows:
2,47
